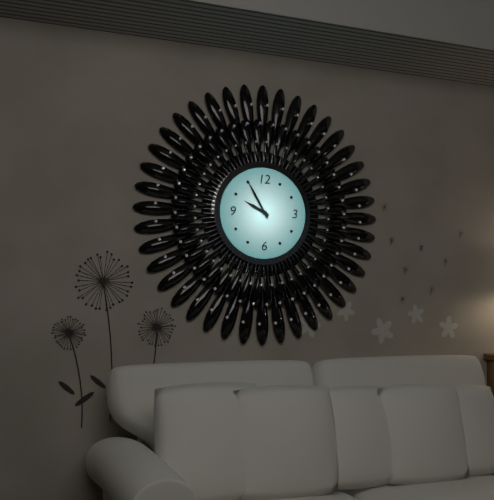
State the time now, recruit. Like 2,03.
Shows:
9,55
